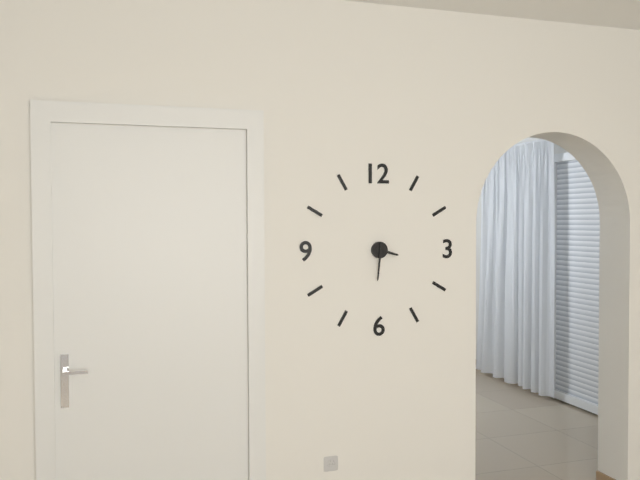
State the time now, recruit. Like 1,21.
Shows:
3,31
